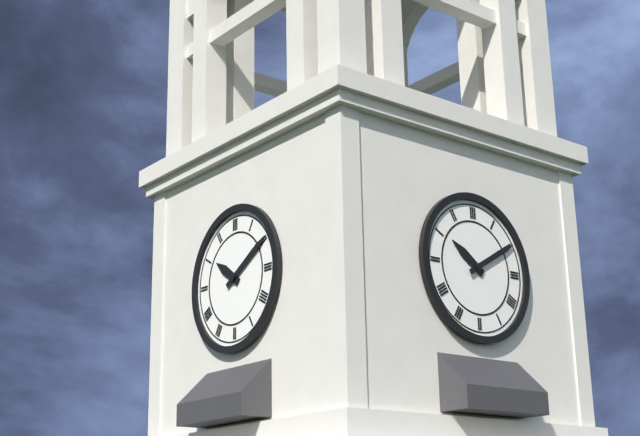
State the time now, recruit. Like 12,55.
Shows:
10,10
